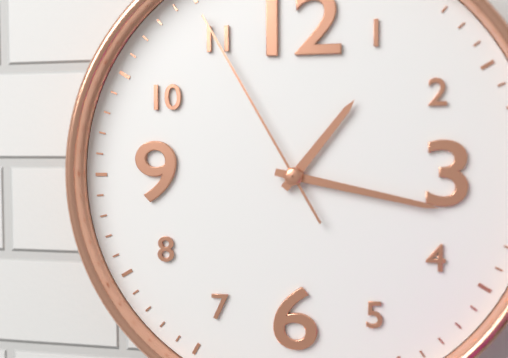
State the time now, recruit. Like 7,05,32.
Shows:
1,17,55
